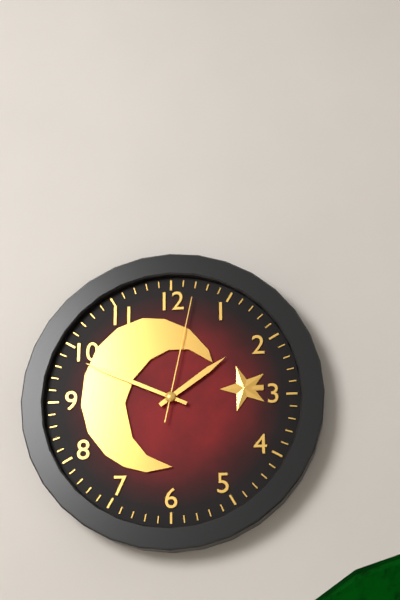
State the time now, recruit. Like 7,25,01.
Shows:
1,49,02
